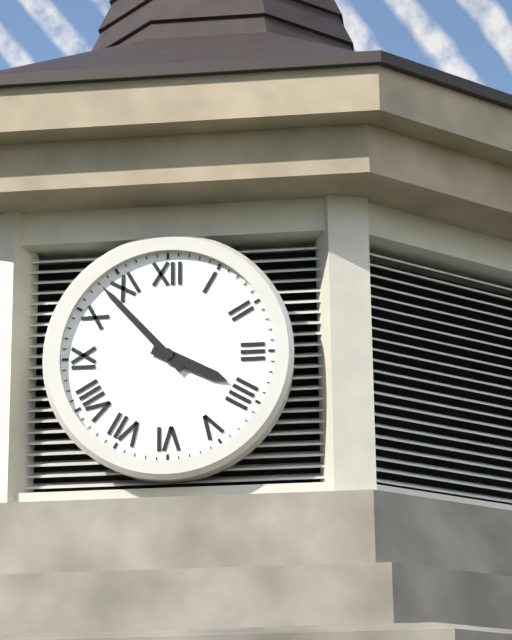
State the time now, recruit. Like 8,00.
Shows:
3,53
